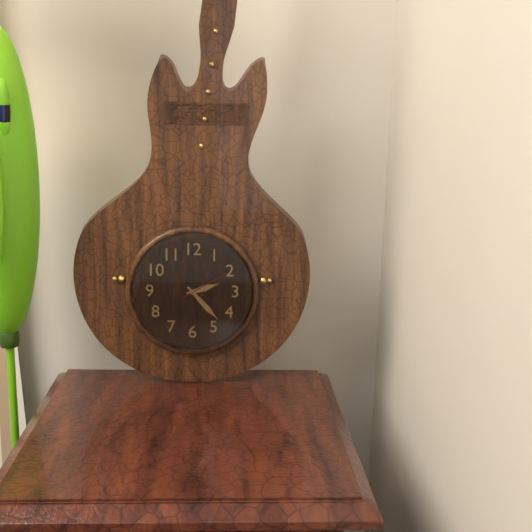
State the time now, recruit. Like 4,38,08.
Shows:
2,23,10
